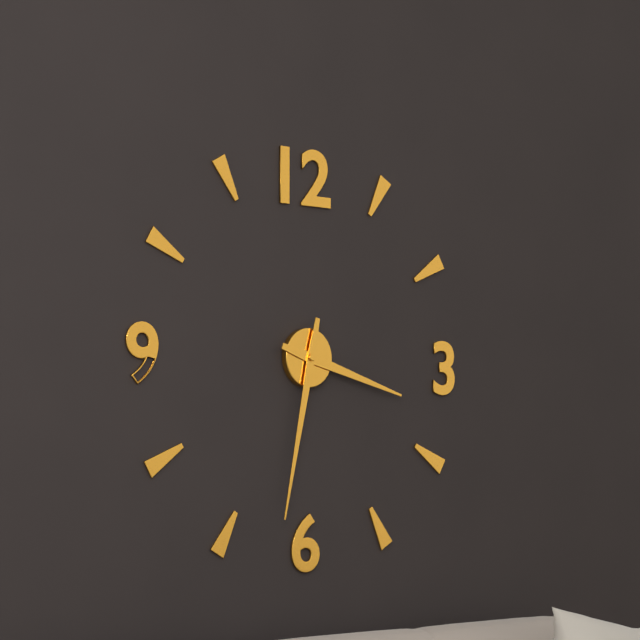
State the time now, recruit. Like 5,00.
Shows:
3,32
